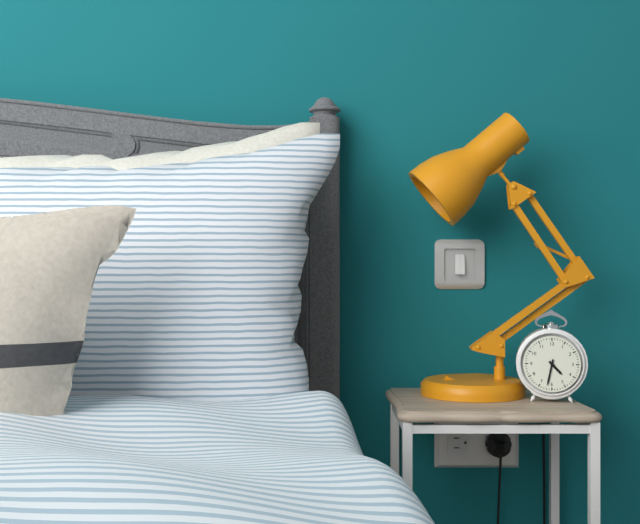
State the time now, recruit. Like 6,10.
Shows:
4,32
